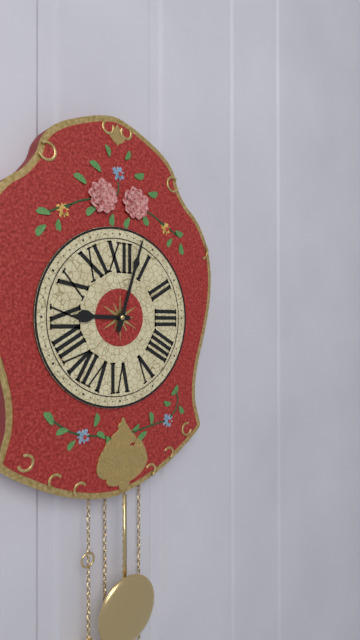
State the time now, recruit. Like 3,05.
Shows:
9,03
